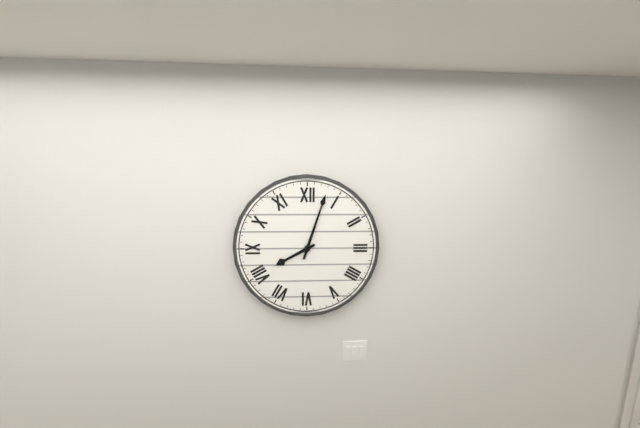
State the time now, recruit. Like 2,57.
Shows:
8,03
